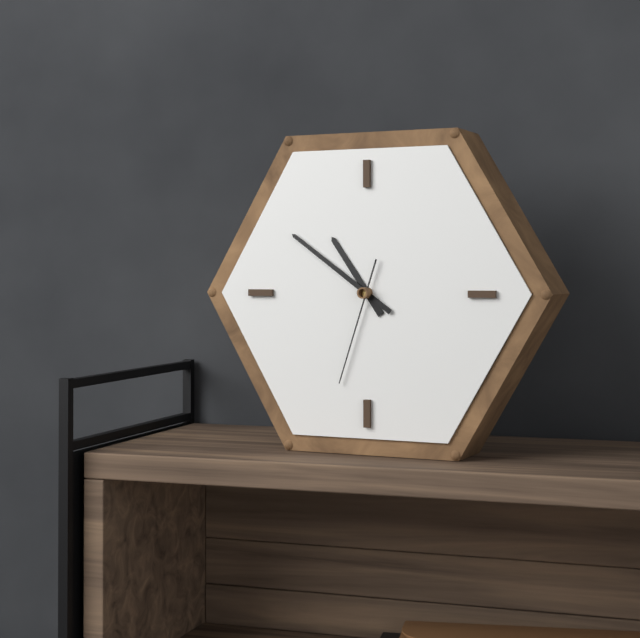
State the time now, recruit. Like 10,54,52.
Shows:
10,51,33
